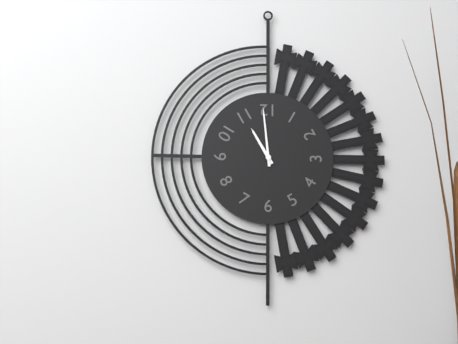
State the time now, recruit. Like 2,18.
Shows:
10,59
